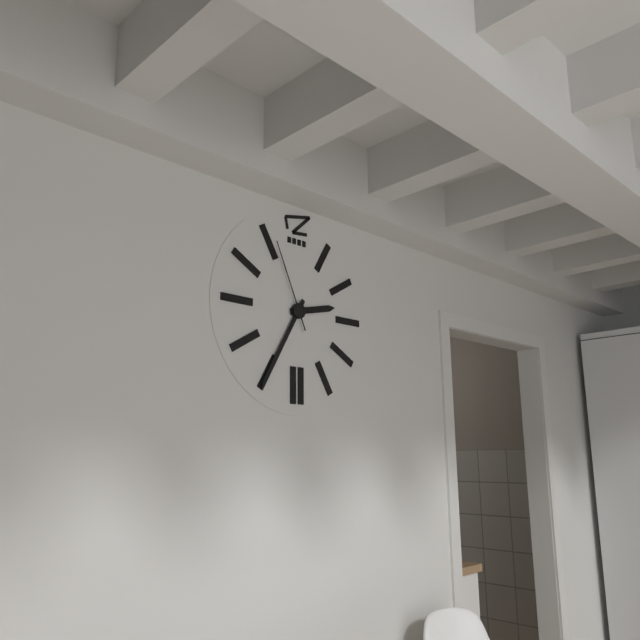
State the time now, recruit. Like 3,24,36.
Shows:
2,35,56
